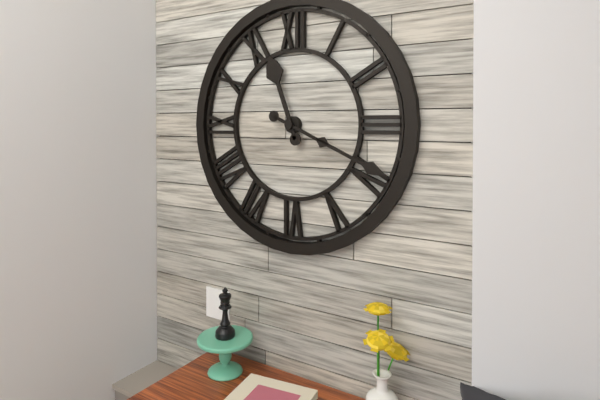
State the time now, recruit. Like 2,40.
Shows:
11,19
